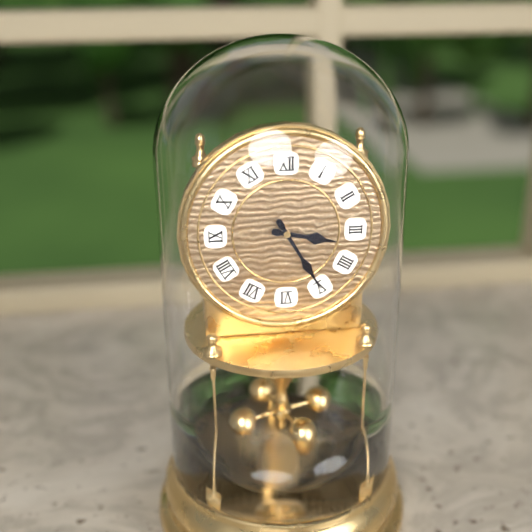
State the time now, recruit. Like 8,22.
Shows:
3,25
